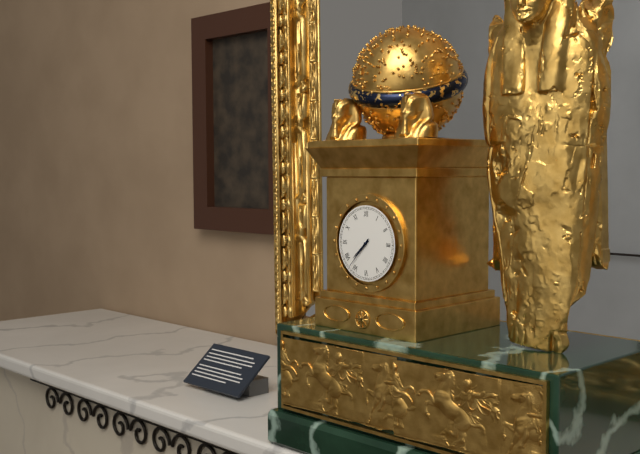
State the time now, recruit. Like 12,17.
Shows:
7,37
